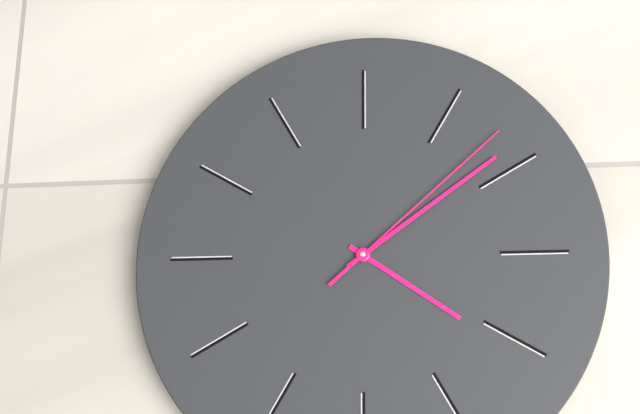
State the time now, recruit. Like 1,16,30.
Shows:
4,09,08
